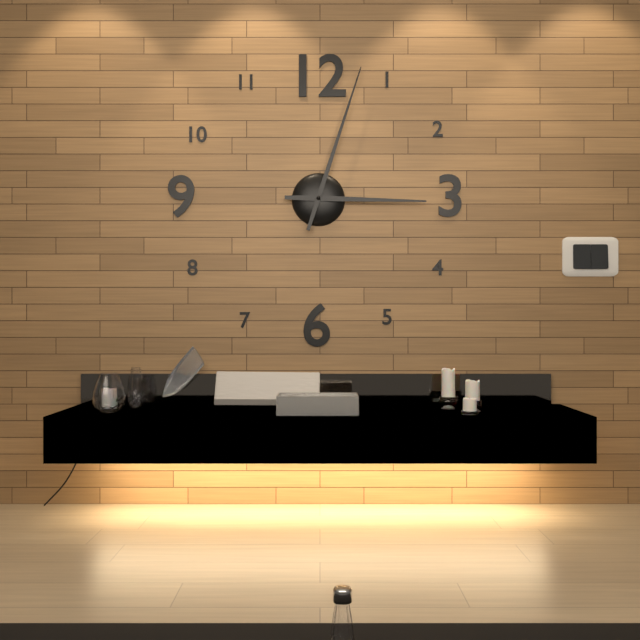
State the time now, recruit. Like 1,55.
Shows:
3,03
